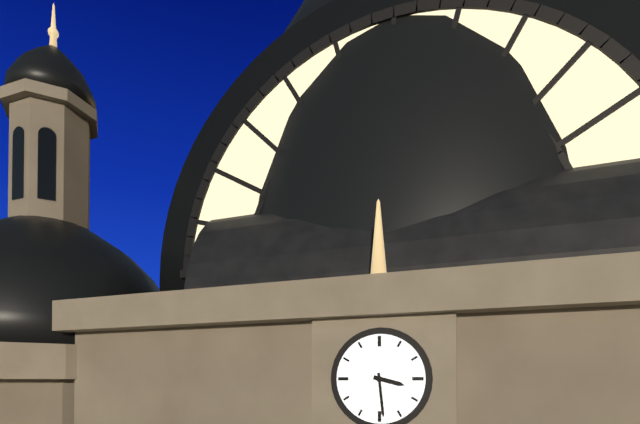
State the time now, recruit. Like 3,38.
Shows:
3,29
